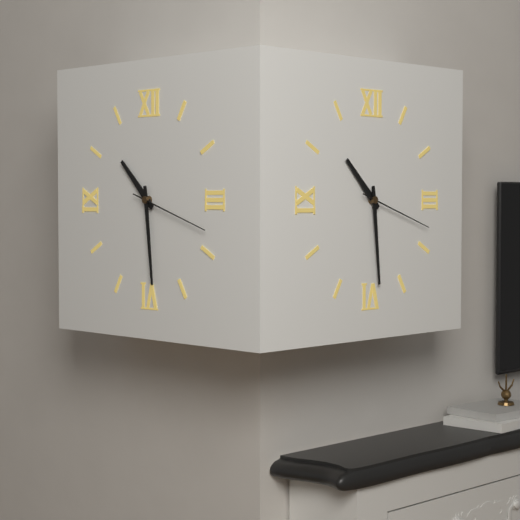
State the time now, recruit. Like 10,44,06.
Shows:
10,29,18
